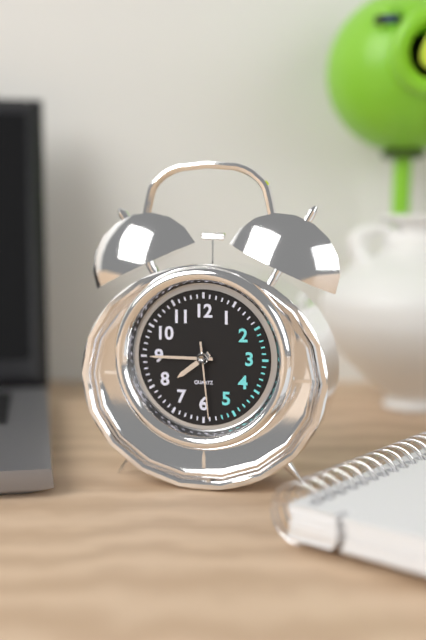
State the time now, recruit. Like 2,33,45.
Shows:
7,45,29
